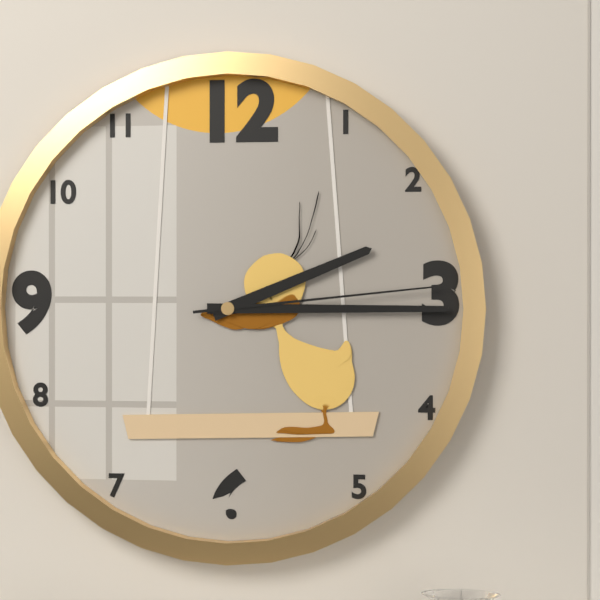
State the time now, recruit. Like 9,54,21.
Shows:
2,15,14
